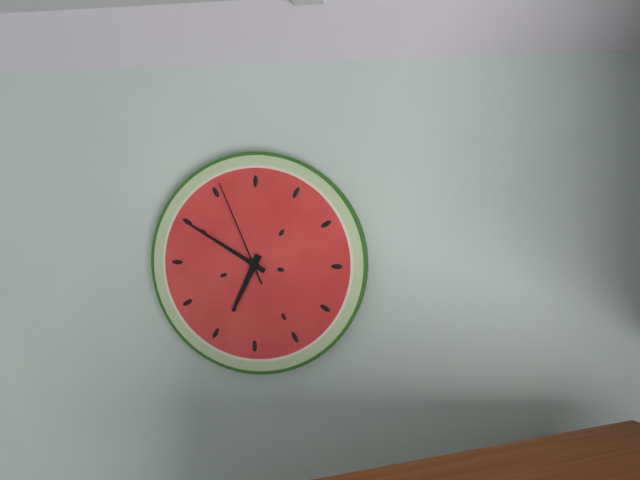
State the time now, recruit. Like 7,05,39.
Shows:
6,50,56
